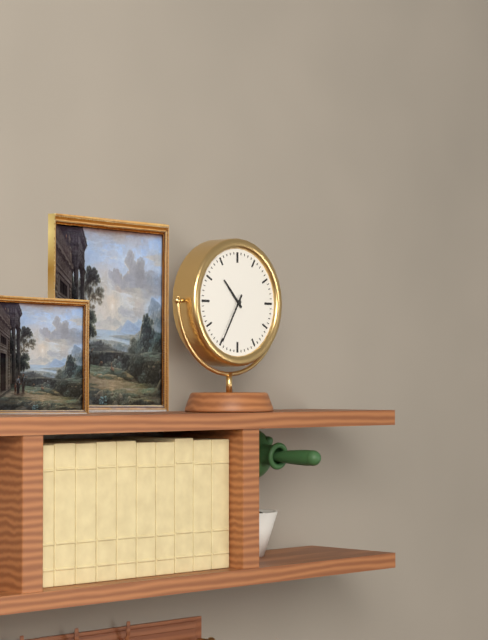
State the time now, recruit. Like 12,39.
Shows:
10,35
